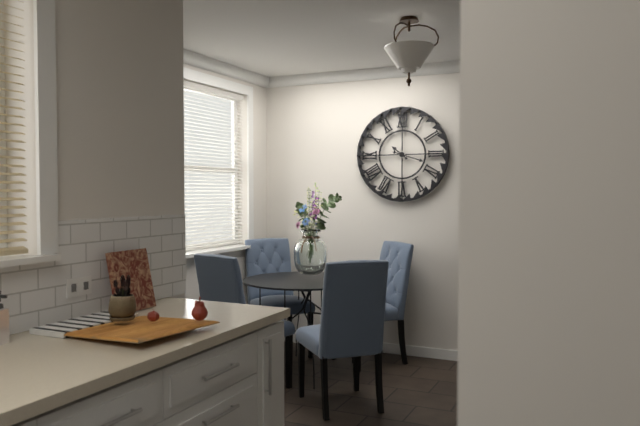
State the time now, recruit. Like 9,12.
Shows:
10,18
